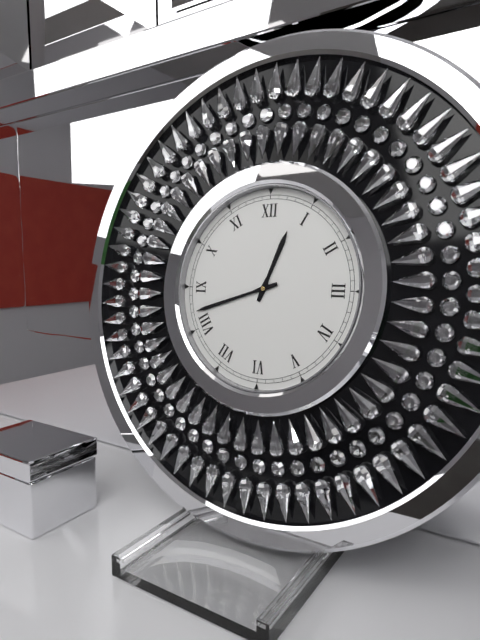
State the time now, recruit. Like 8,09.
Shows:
12,42
